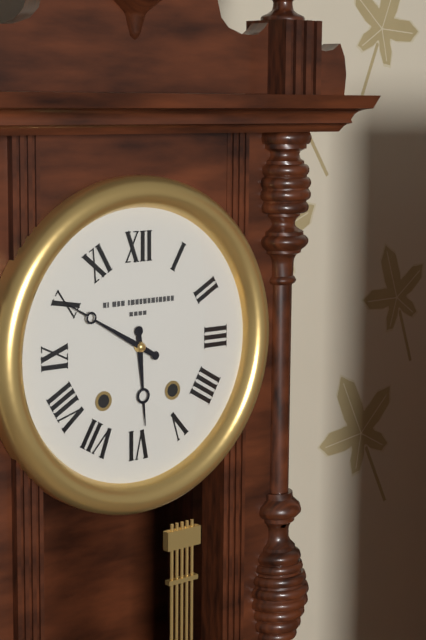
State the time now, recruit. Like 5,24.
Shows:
5,50
